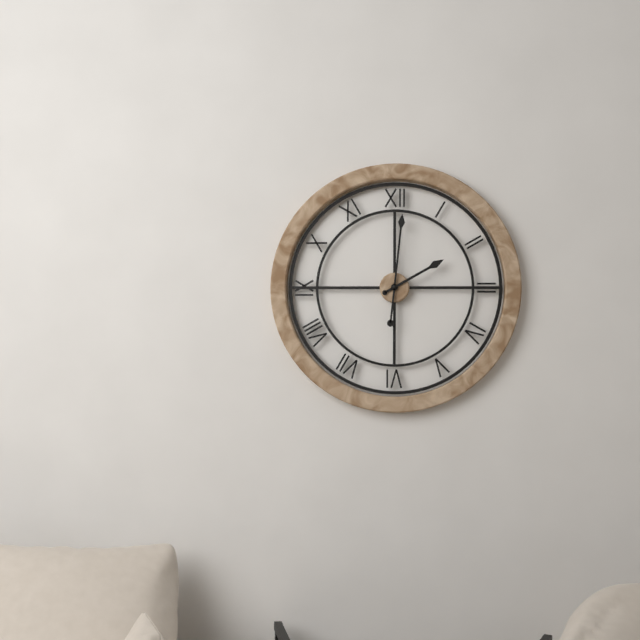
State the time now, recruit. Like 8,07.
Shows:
2,01
